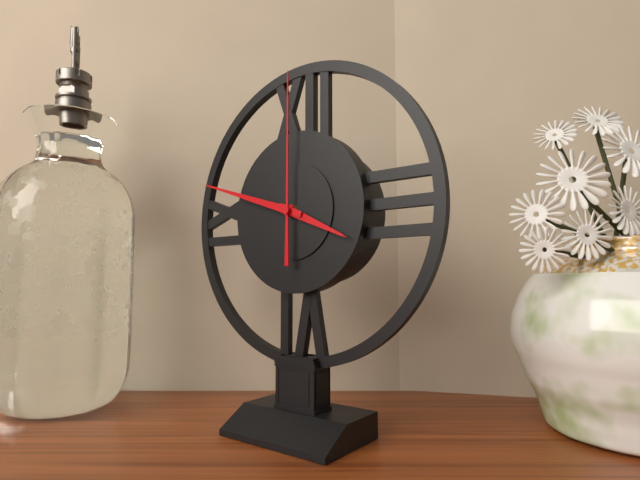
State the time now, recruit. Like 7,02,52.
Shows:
3,48,00
